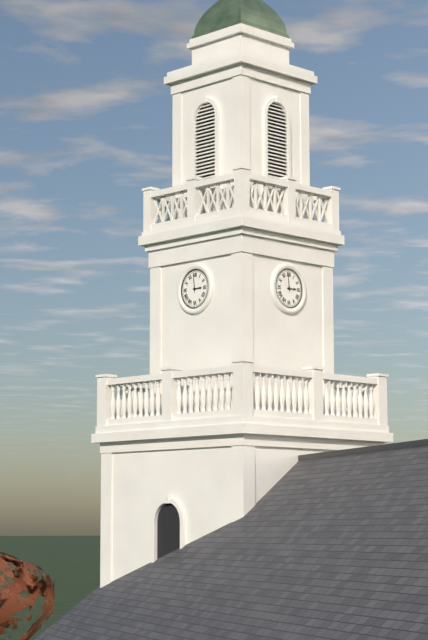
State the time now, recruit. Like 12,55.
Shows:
2,59
